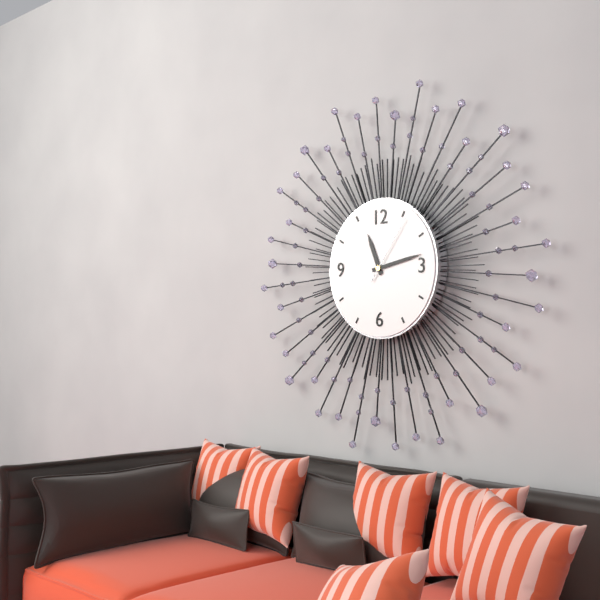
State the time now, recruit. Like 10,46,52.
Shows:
11,13,06
